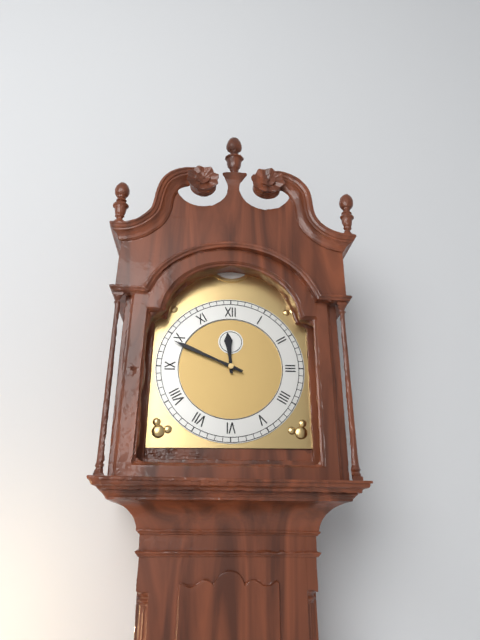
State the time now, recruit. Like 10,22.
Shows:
11,49
